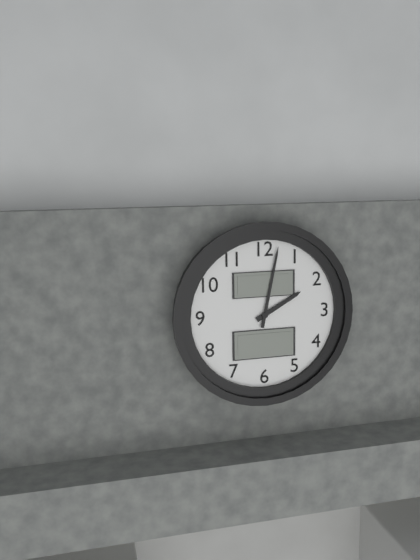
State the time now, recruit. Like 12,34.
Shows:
2,02
